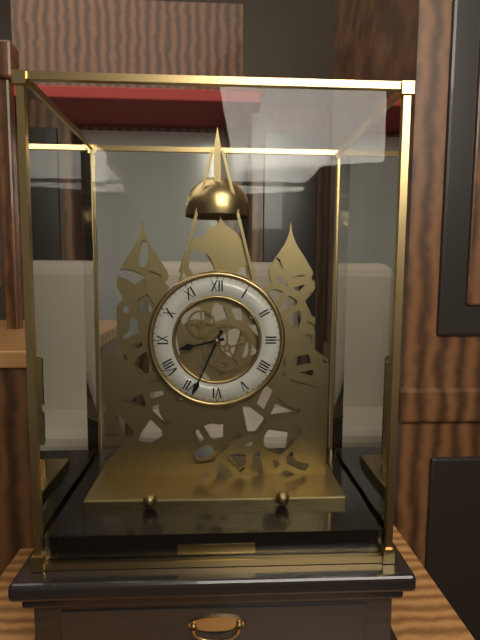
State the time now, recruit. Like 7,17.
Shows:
8,34
